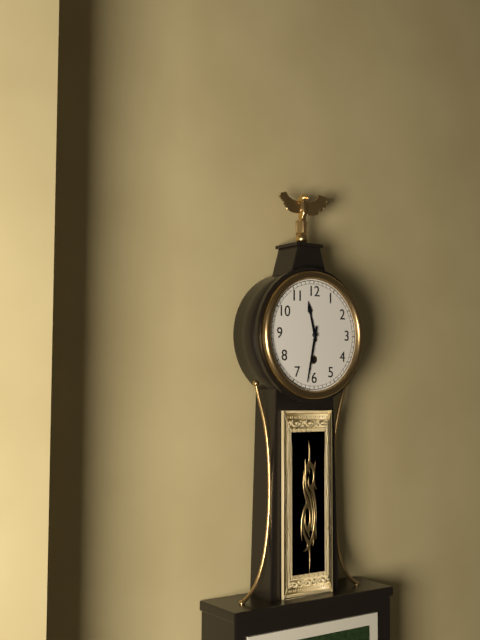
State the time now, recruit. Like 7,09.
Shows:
11,32
